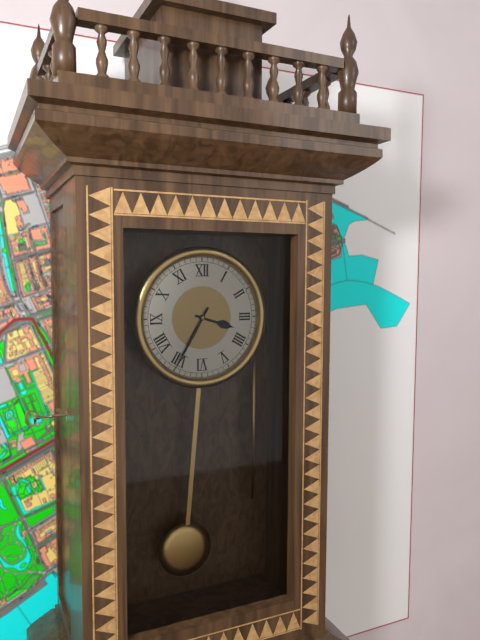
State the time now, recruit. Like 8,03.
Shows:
3,35
